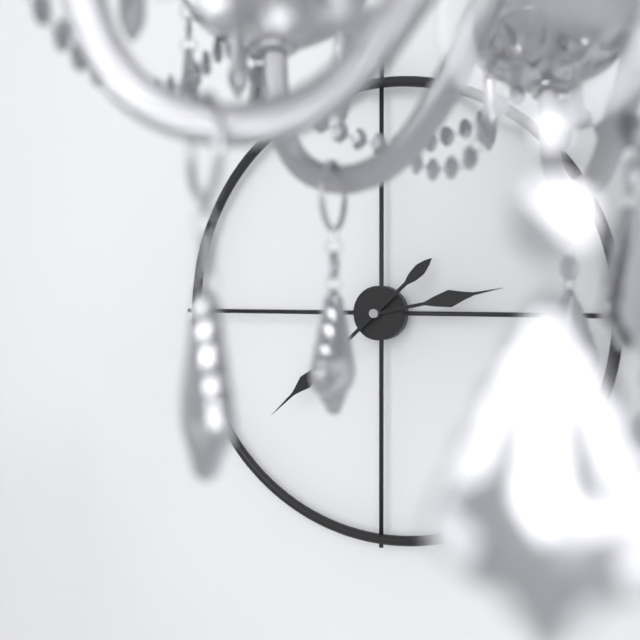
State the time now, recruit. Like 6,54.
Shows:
2,38
